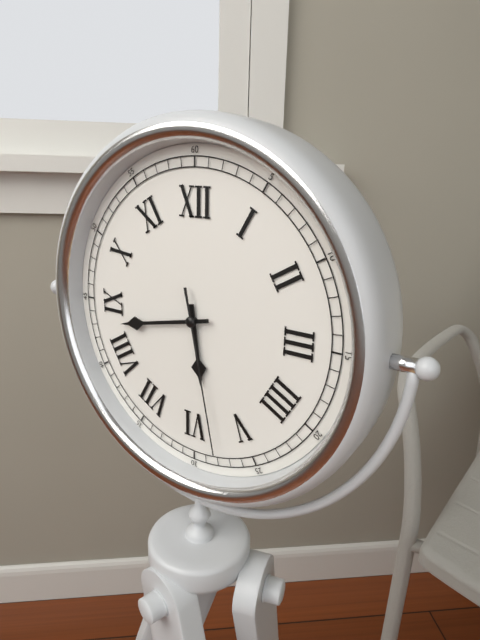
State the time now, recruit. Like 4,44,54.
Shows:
5,43,28
